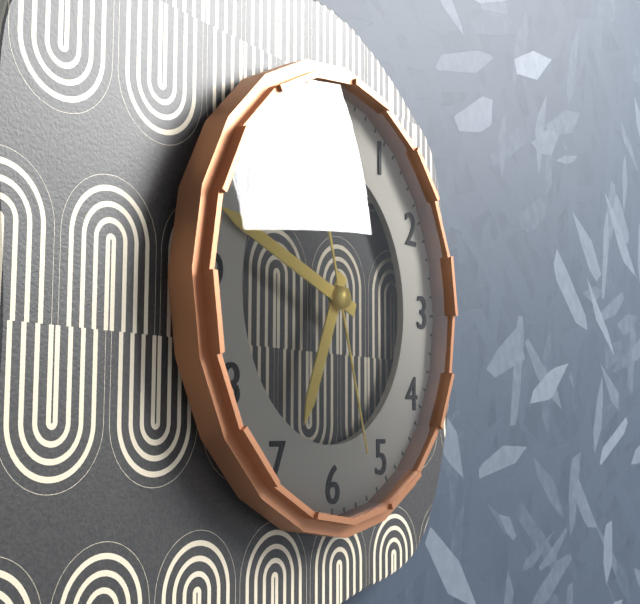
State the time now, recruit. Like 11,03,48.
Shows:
6,48,27
